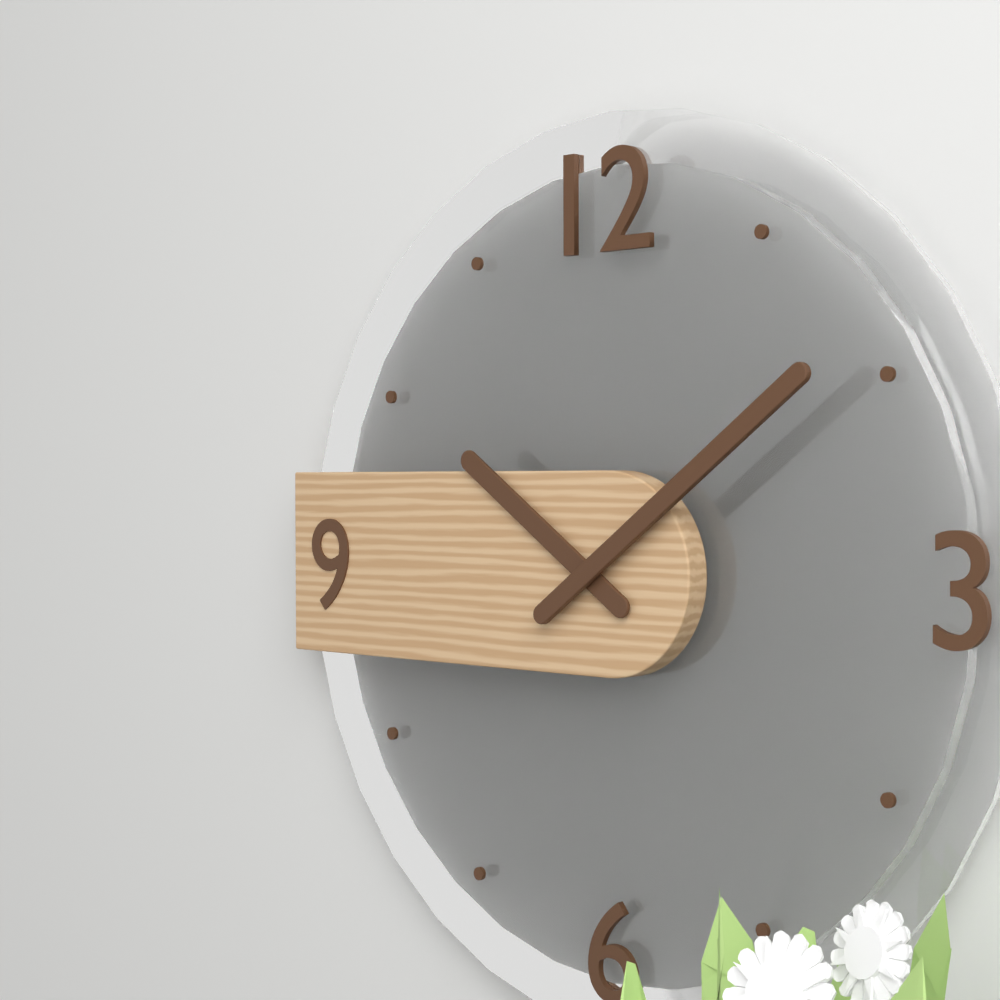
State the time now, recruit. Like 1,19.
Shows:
10,09
